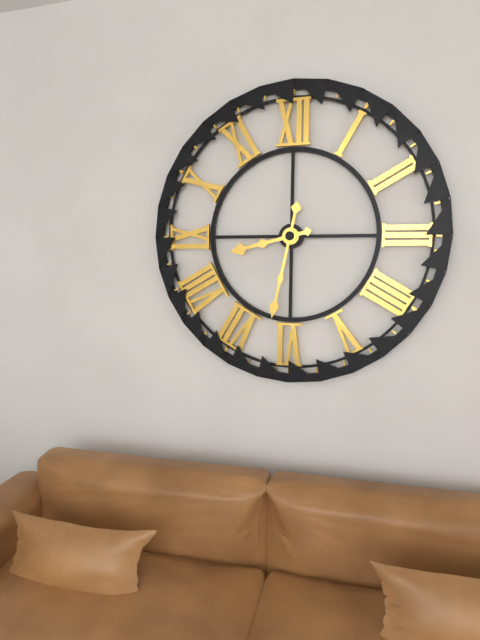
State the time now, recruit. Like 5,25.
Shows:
8,32
